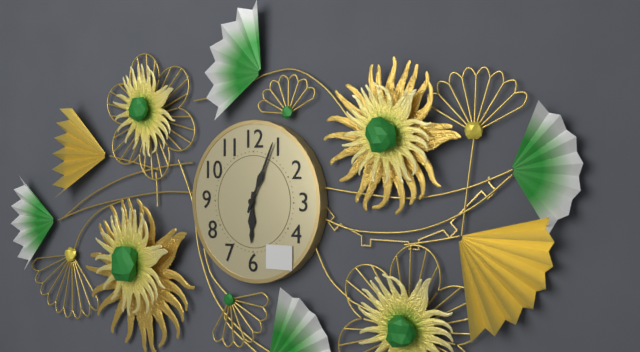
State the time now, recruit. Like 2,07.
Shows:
6,04
